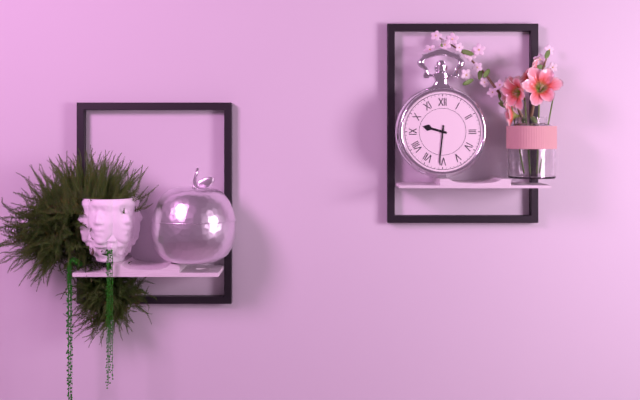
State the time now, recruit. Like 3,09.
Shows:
9,31
